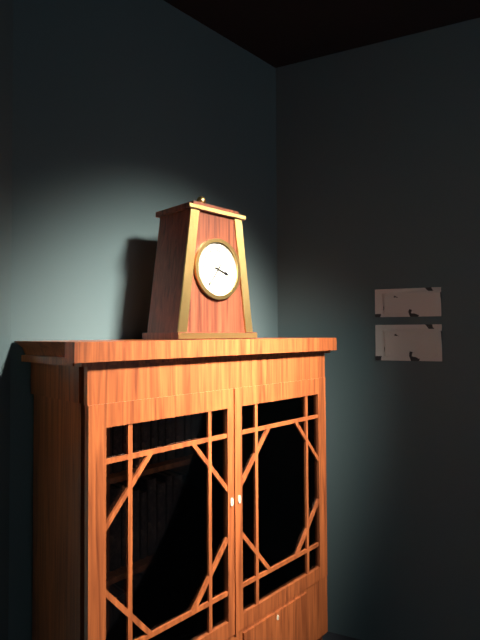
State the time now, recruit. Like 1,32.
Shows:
3,36
